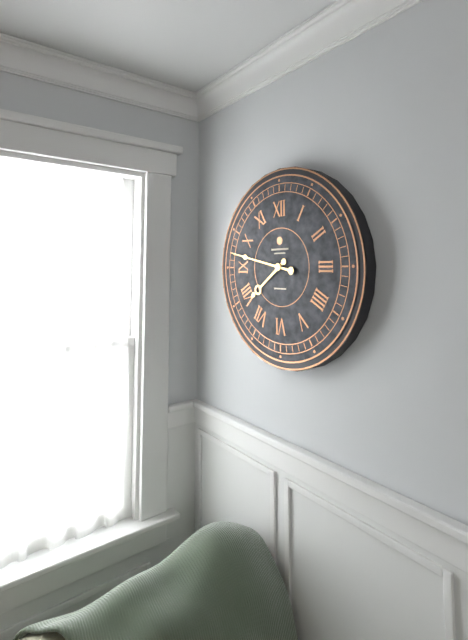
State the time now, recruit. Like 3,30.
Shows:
7,47
